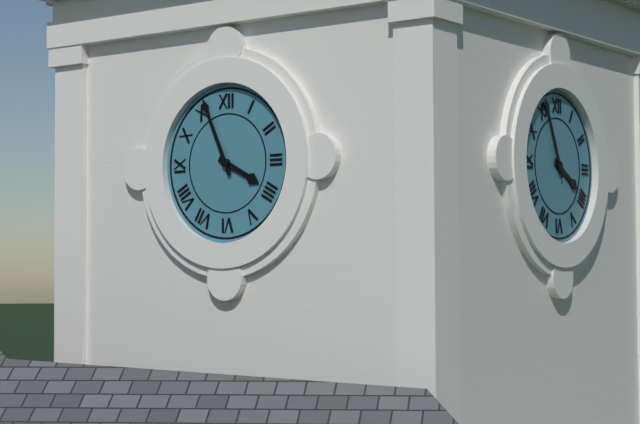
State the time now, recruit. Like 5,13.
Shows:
3,56
